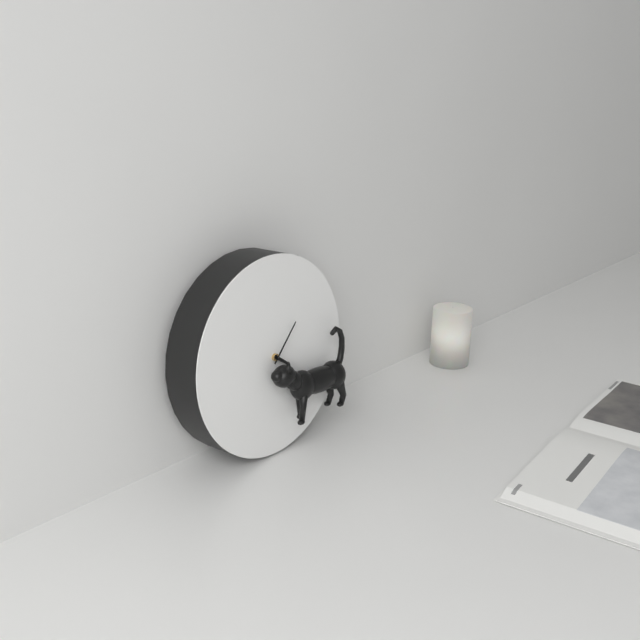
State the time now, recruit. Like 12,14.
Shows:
4,07
